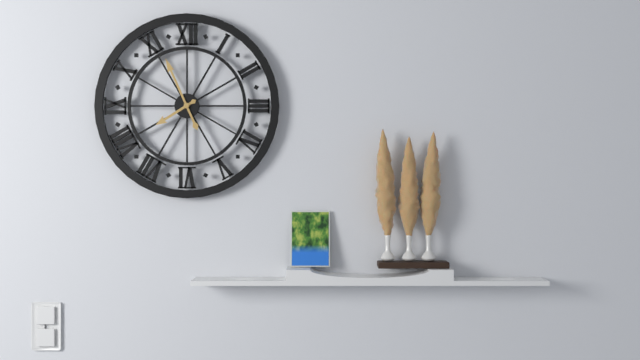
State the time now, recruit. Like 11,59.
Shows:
7,56
